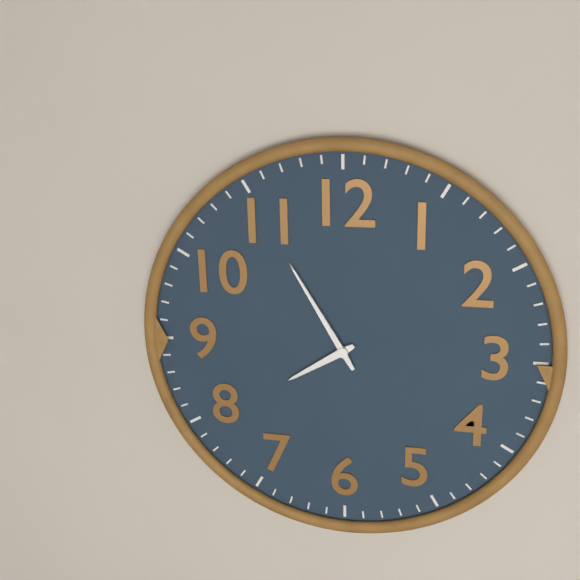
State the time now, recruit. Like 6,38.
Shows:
7,55
